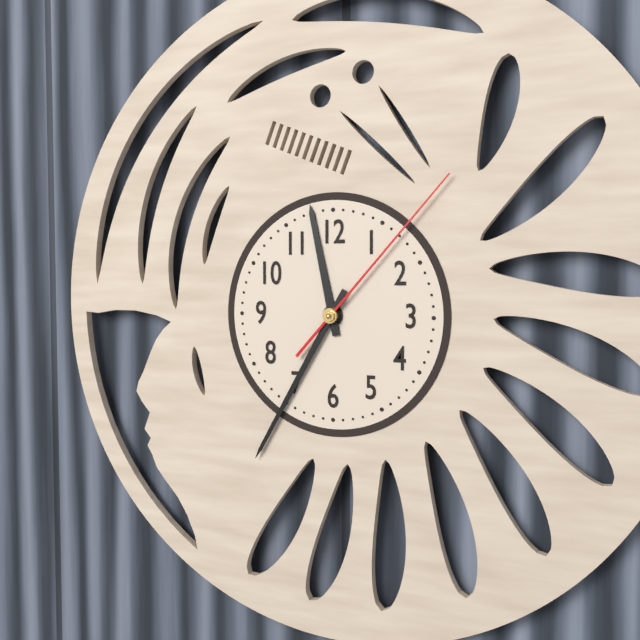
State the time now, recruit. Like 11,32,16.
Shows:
11,35,07
